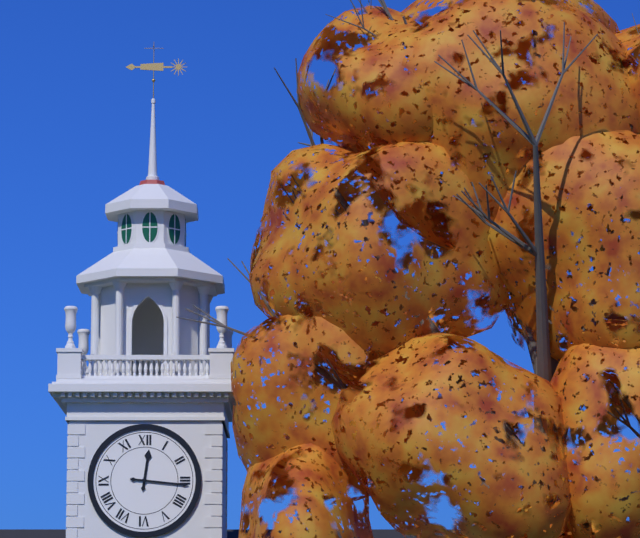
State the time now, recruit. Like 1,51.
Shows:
12,16
